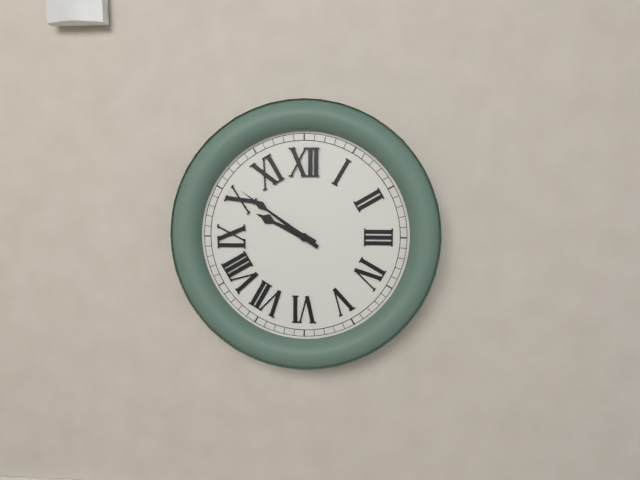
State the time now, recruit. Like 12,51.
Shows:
9,51
